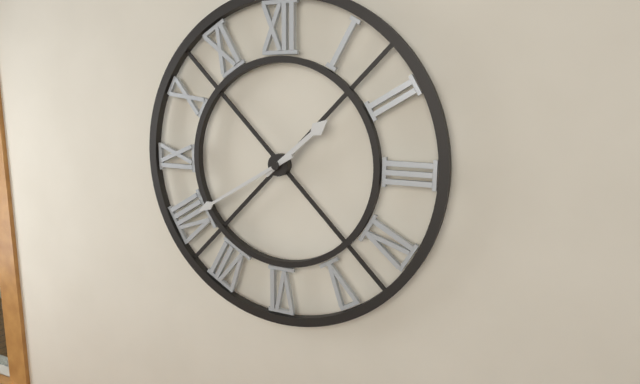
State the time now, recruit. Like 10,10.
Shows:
1,40
